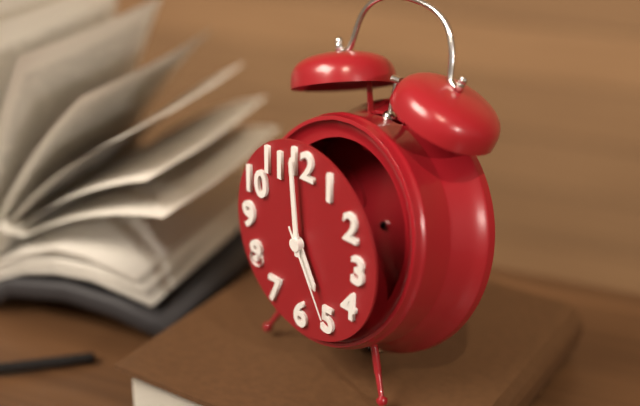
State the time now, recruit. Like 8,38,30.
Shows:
4,59,25
